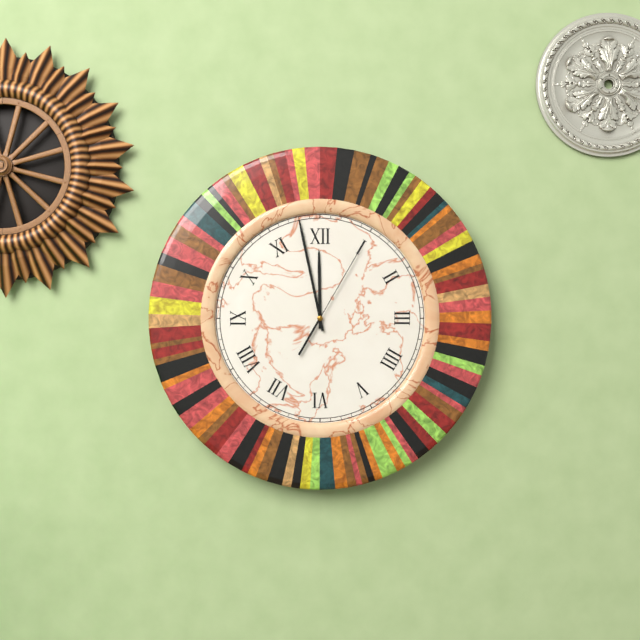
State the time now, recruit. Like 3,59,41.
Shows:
11,58,05
